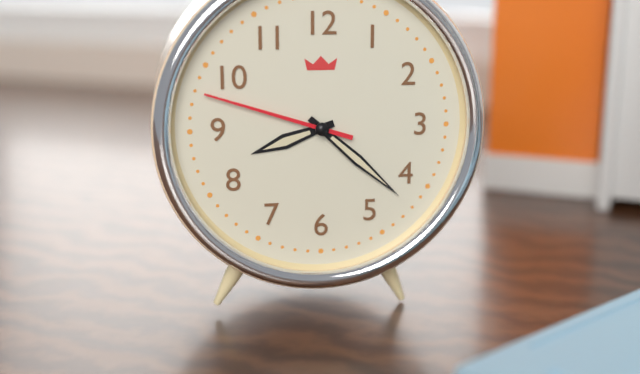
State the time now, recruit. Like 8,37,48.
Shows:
8,22,48
